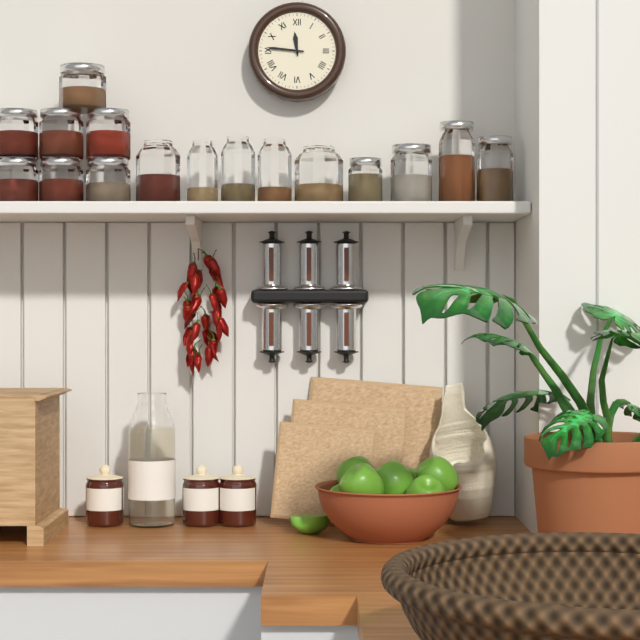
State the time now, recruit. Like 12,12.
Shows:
11,46
